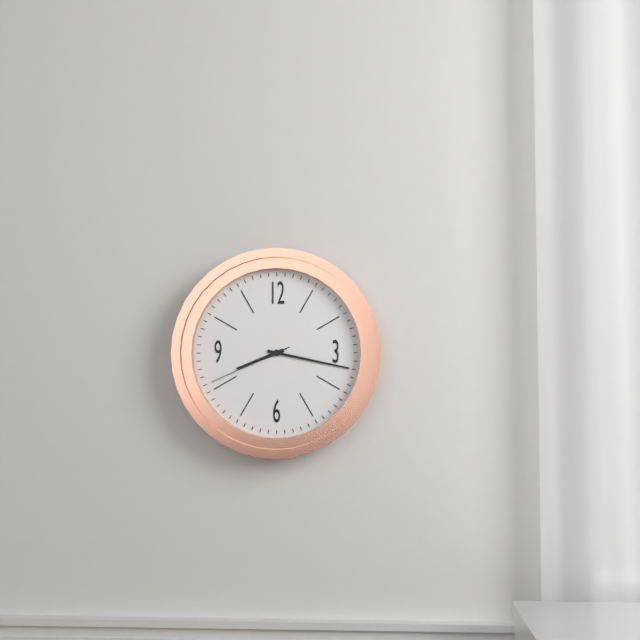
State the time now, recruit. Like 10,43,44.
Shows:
8,17,41
